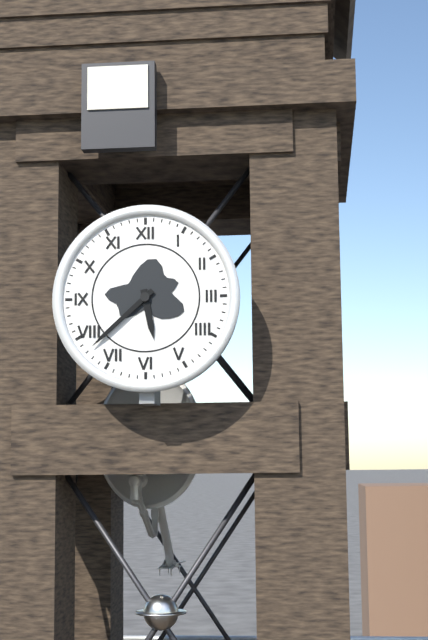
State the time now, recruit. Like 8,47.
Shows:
5,38
